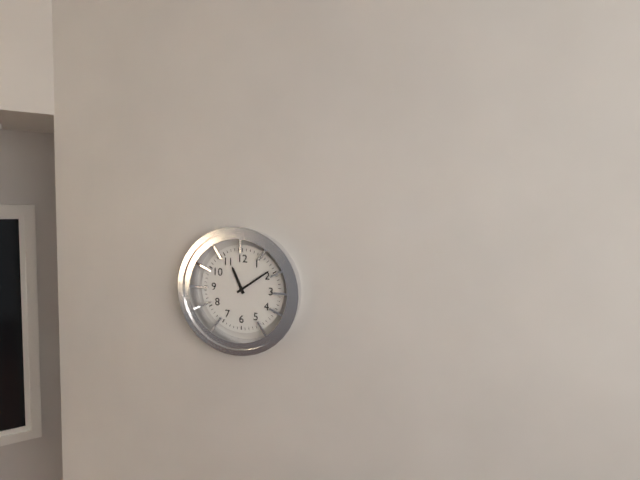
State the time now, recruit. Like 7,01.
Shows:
11,09
